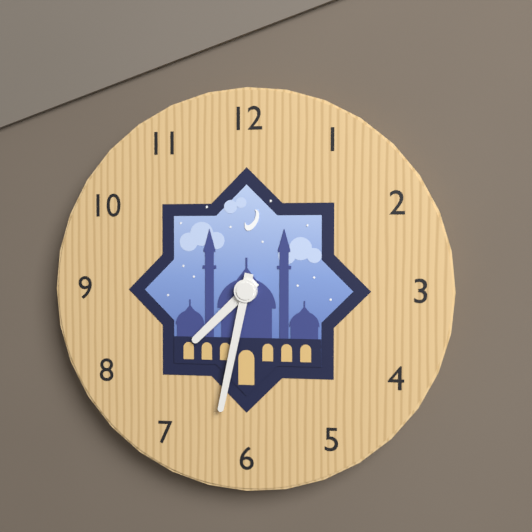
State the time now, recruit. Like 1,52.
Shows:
7,32
